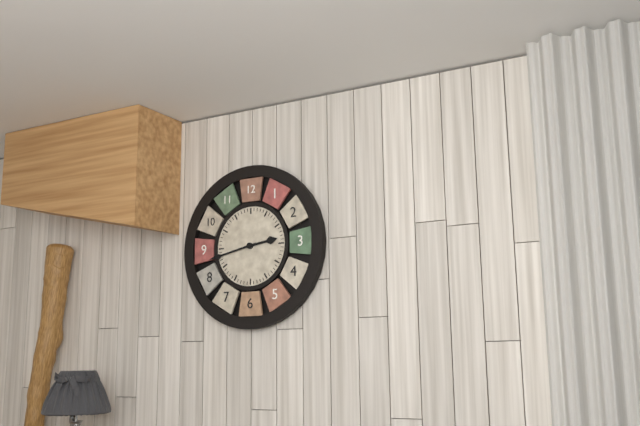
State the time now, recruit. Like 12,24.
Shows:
2,43
